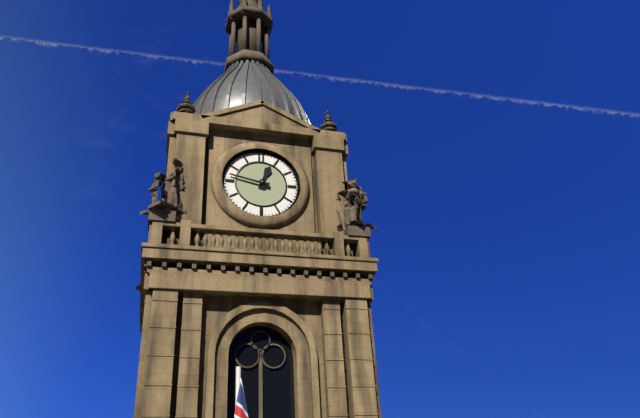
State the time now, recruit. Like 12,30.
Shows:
12,47
